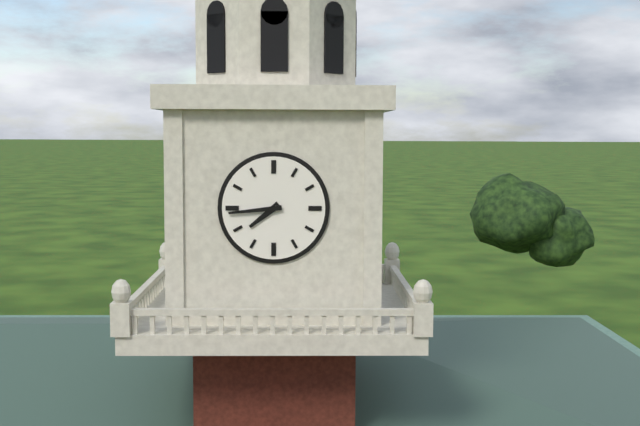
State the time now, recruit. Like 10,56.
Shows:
7,44
